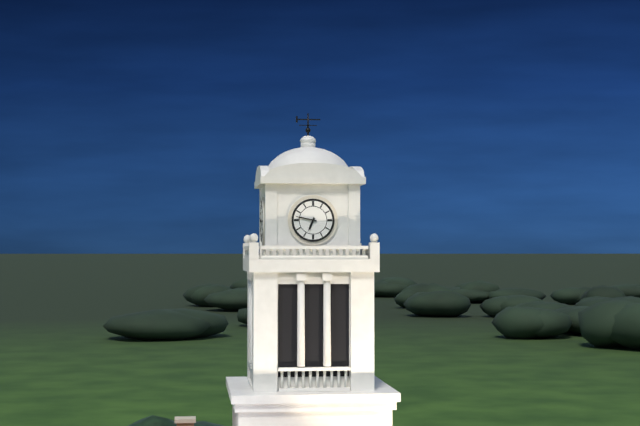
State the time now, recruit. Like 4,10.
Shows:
6,47
